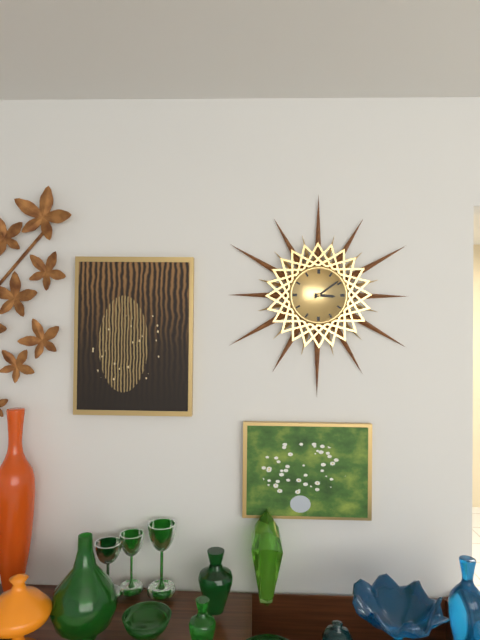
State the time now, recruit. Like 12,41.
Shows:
3,09
